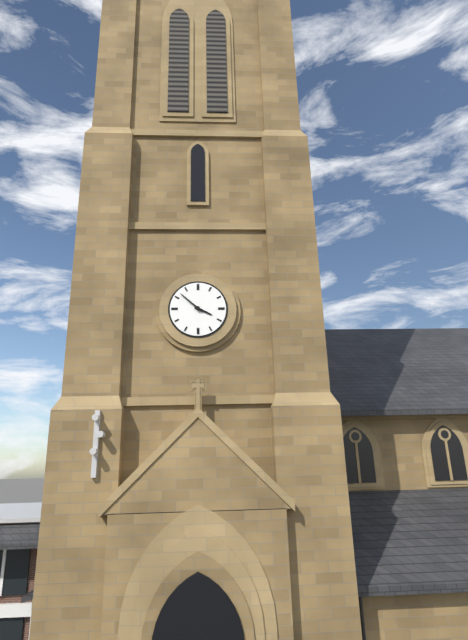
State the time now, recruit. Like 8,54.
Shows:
3,52
